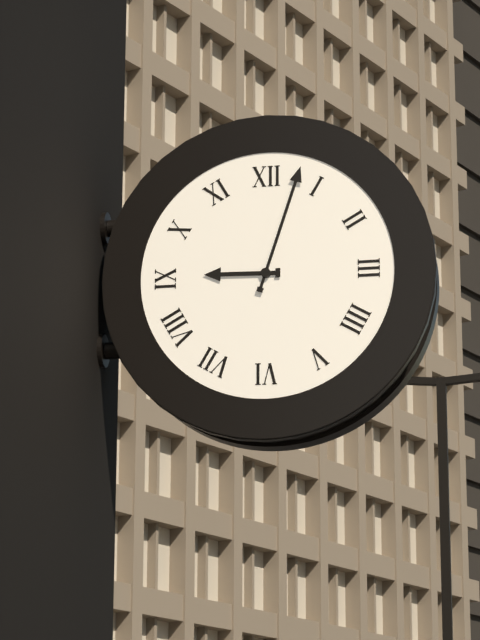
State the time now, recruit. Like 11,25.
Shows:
9,03
